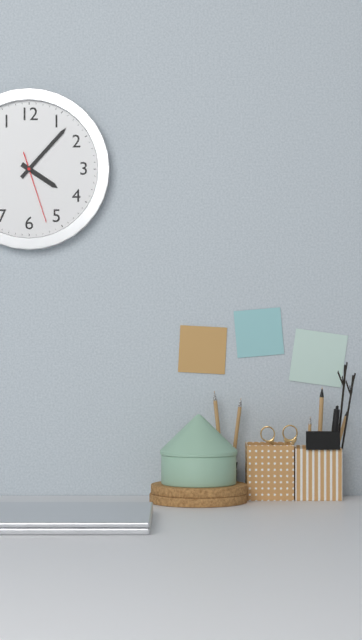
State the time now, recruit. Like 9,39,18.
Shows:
4,07,27
